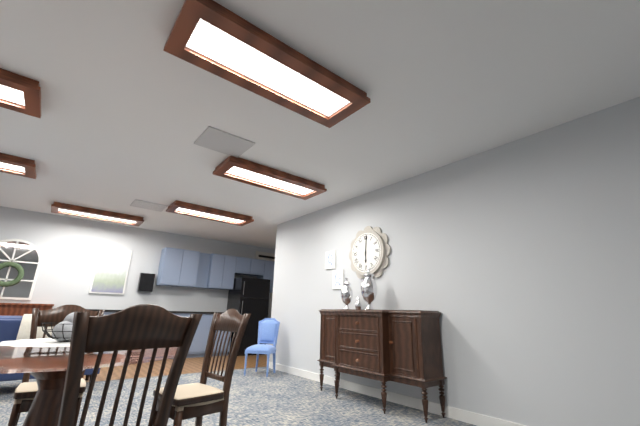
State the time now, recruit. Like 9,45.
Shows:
6,01
